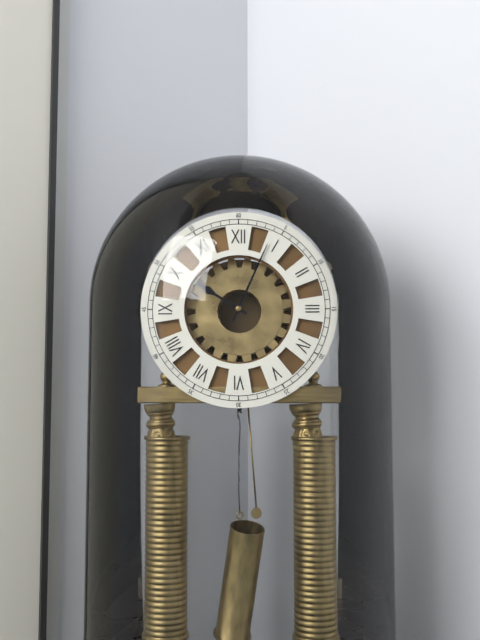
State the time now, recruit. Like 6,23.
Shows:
10,04
